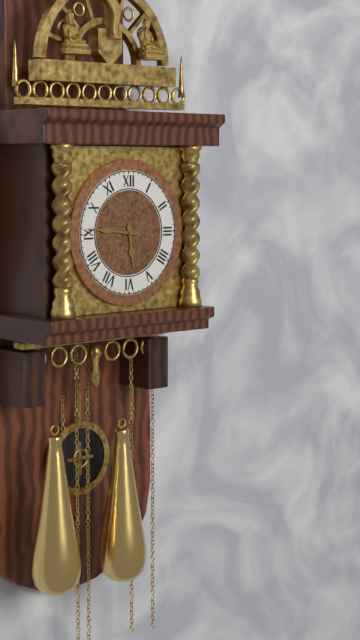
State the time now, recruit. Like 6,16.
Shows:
5,46
